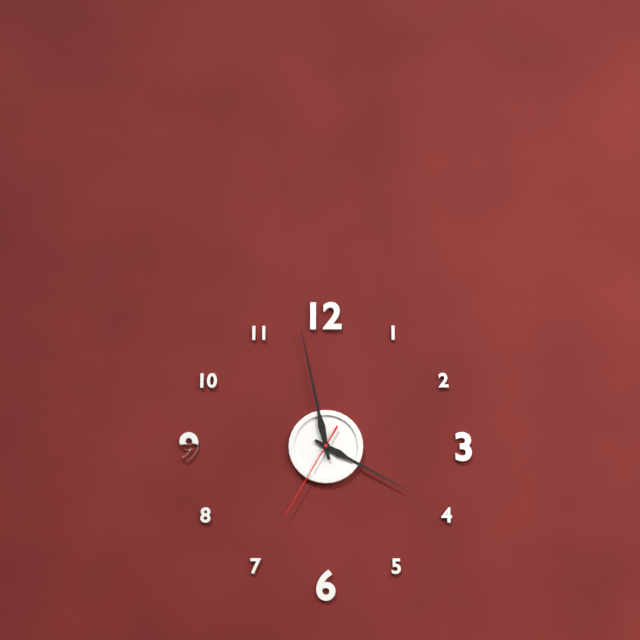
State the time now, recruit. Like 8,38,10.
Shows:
3,58,35
